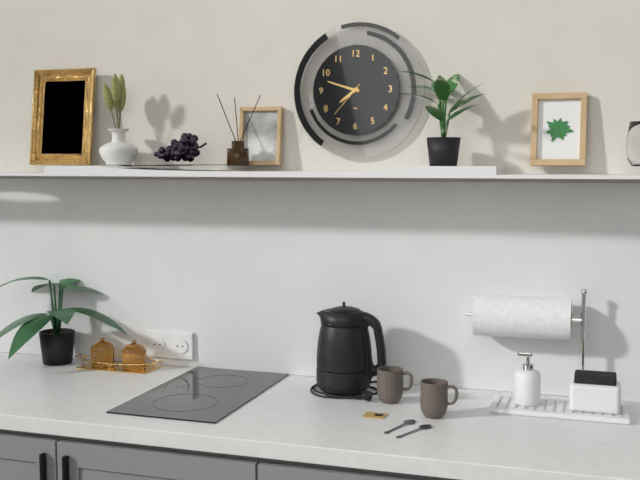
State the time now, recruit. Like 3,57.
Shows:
7,48
